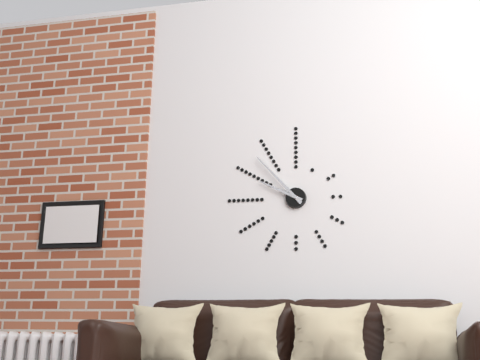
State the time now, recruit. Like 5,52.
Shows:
9,53
